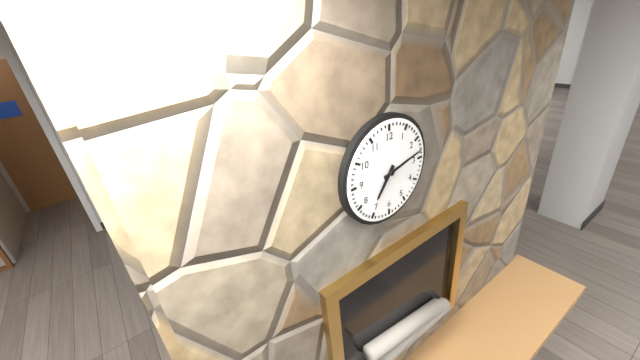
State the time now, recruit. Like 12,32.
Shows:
7,13
